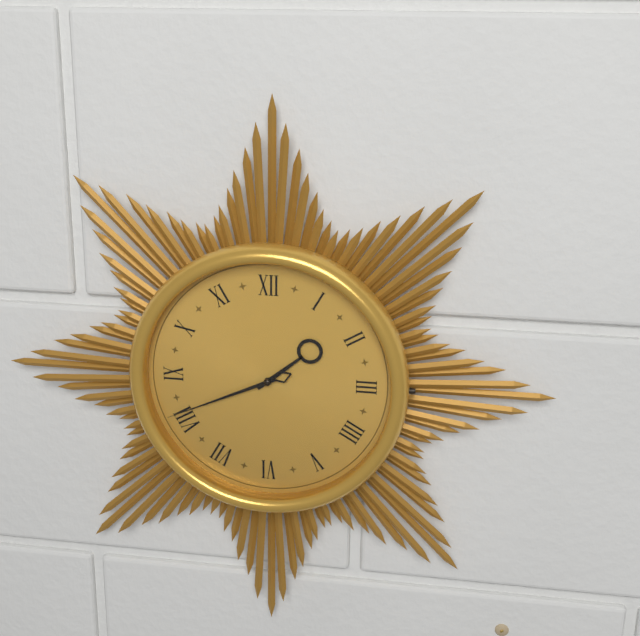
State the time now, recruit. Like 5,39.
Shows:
1,41
